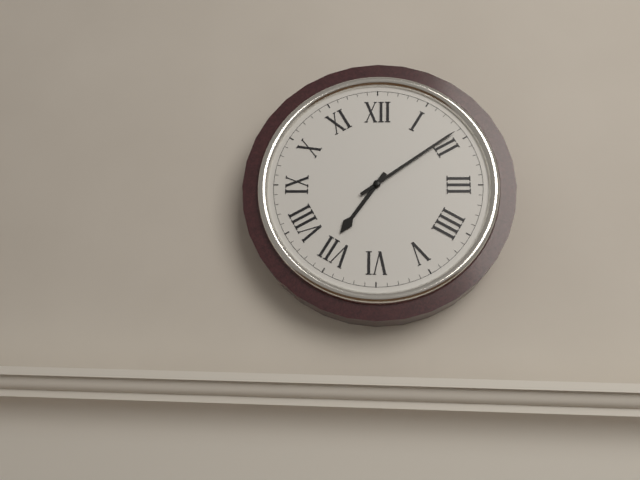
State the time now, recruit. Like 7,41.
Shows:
7,09
